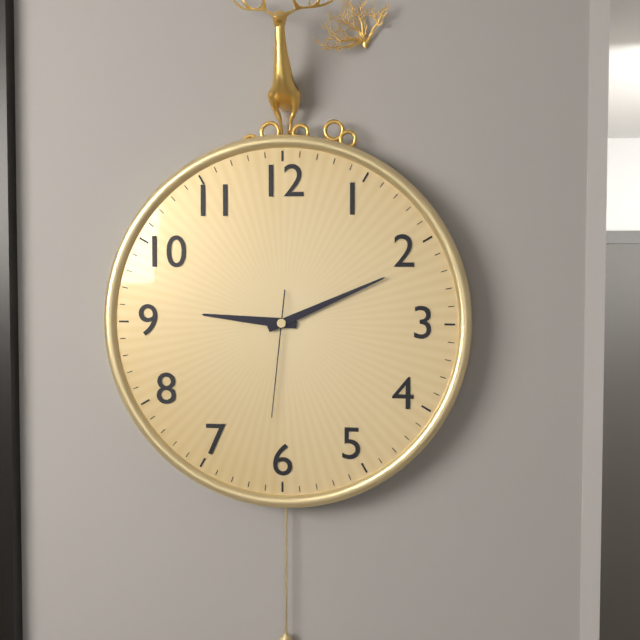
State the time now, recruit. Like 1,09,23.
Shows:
9,11,31
